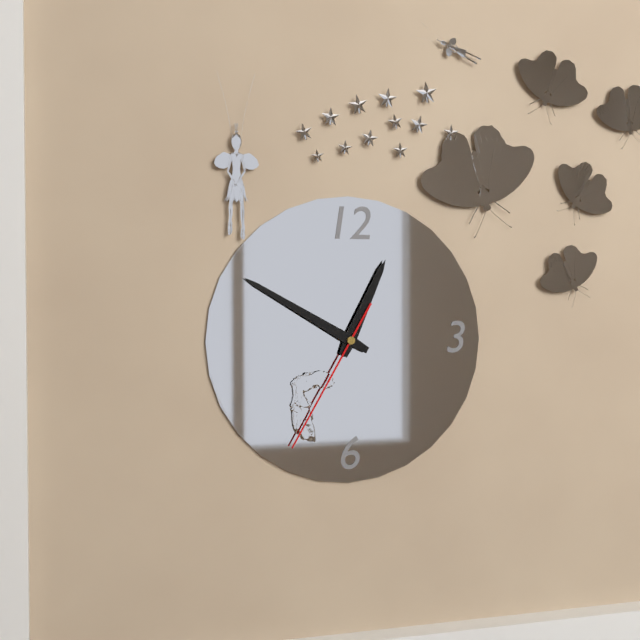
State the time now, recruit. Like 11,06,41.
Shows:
12,50,35
